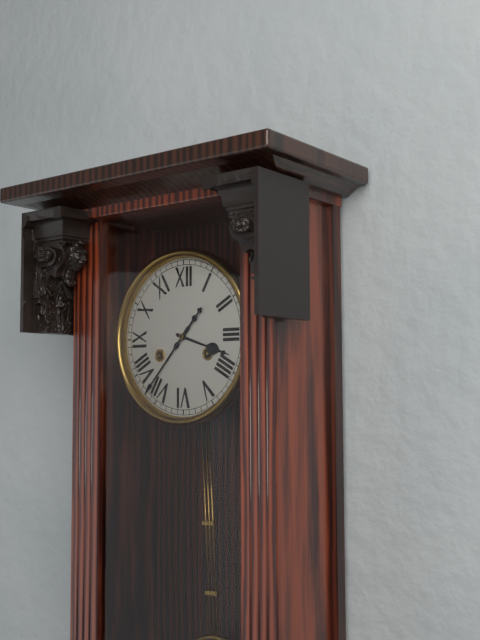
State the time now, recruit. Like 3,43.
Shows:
3,37
